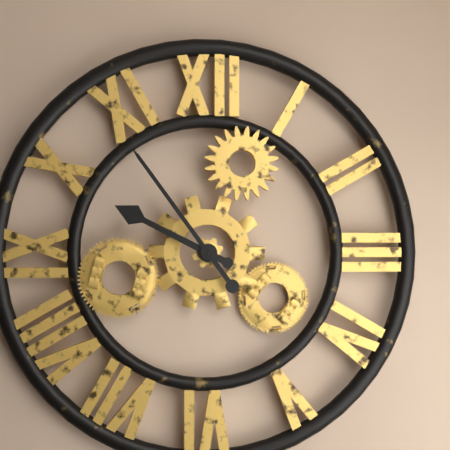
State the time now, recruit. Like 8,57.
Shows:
9,54
